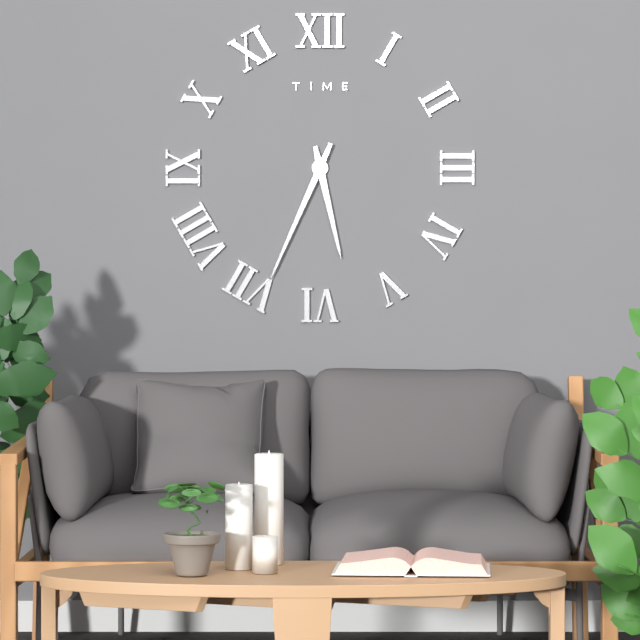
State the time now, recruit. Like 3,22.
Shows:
5,34
